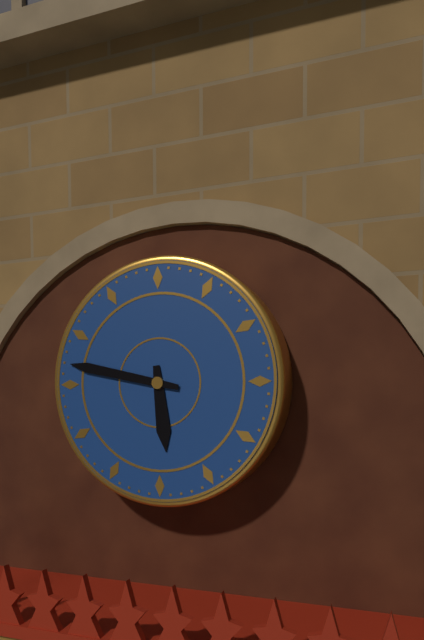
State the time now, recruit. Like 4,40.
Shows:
5,47
